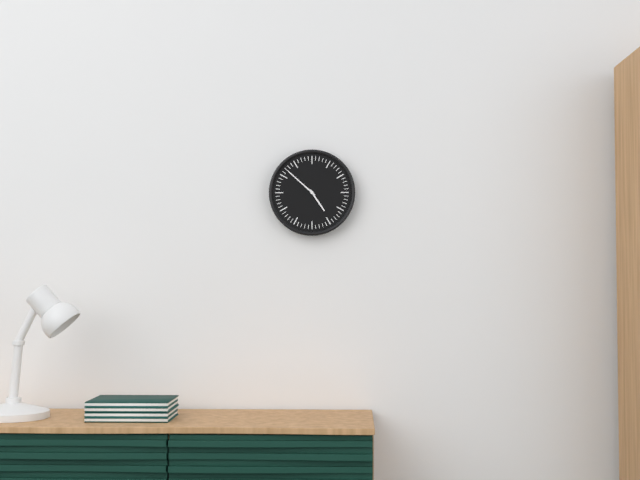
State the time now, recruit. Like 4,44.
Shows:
4,52
